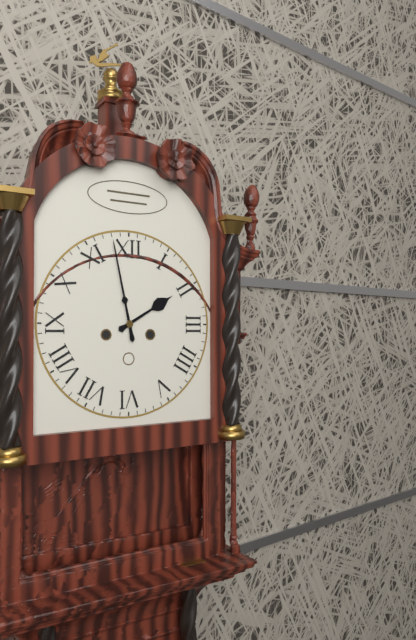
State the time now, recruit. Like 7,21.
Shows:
1,58
